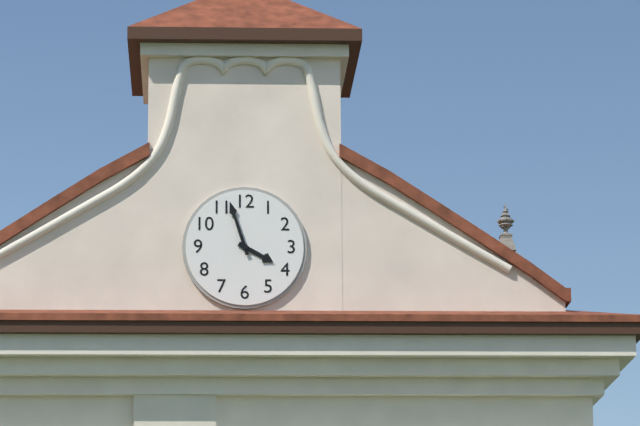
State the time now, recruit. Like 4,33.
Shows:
3,57
